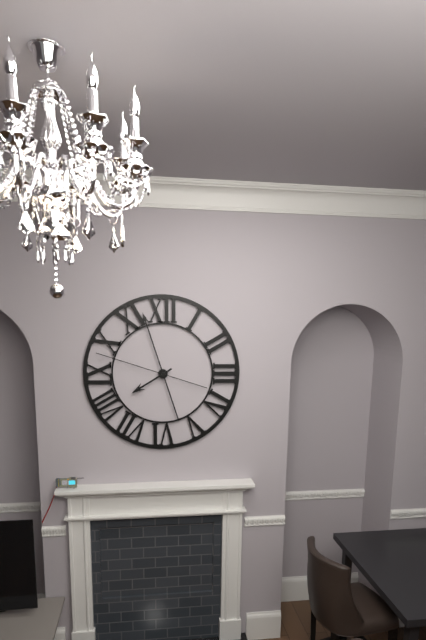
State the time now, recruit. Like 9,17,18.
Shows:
7,57,48
